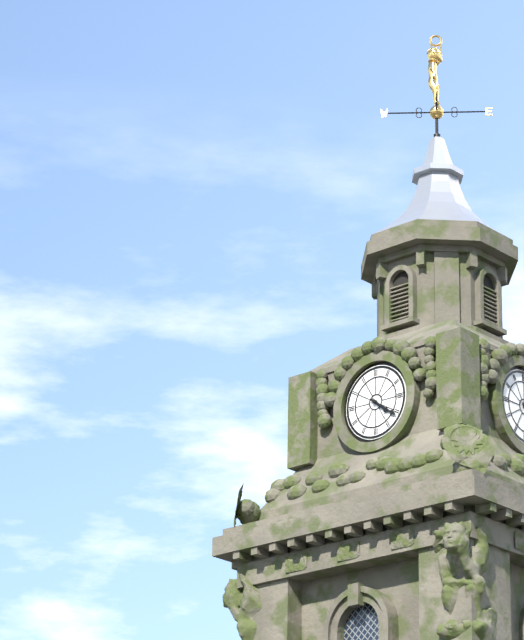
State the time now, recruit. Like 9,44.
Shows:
4,21
